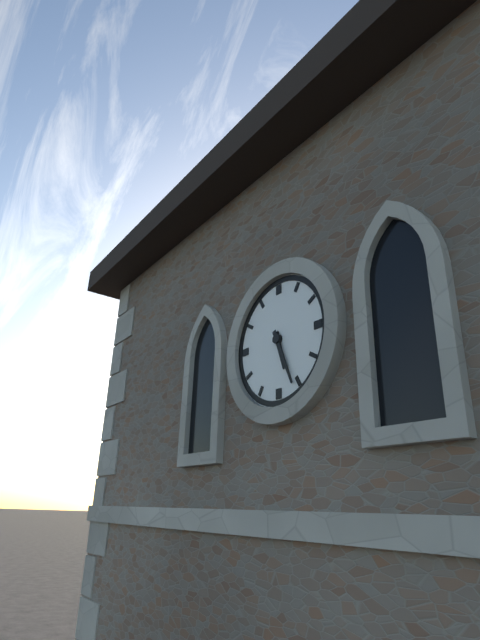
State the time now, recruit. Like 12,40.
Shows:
5,26
